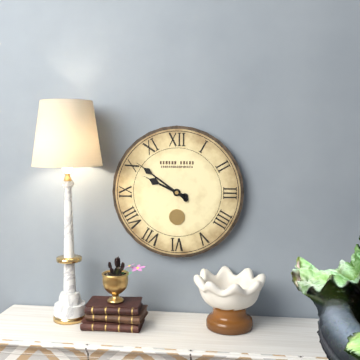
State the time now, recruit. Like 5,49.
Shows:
9,51
